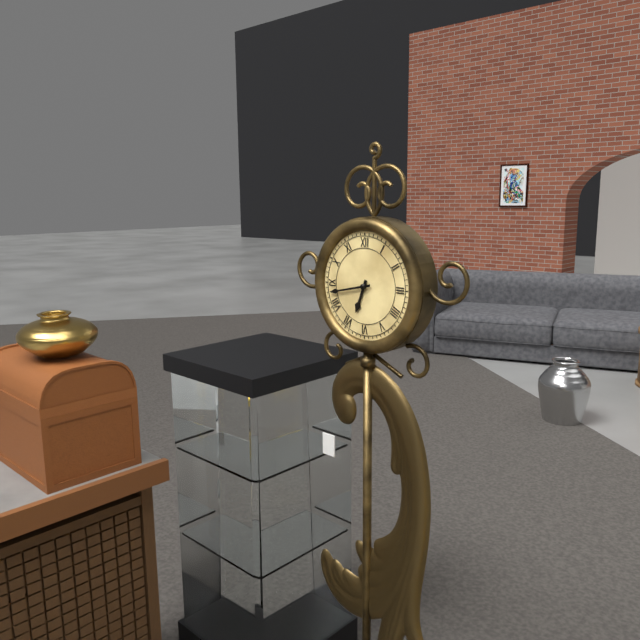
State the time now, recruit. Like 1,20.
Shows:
6,43
